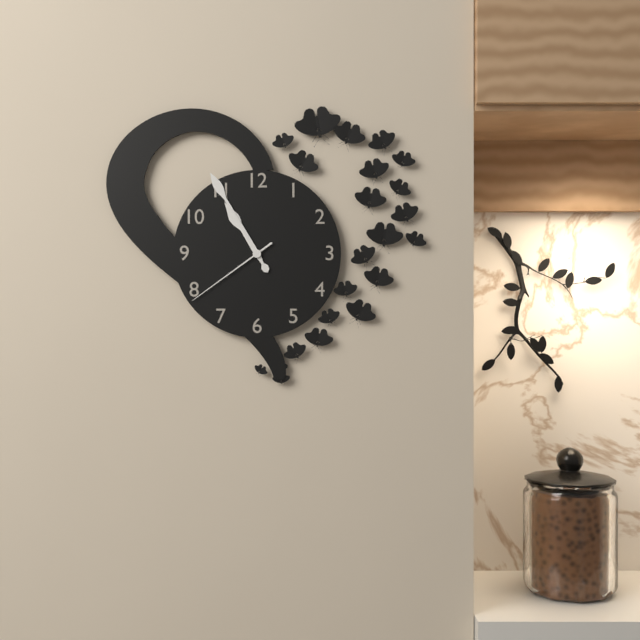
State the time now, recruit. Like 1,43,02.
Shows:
10,55,39
